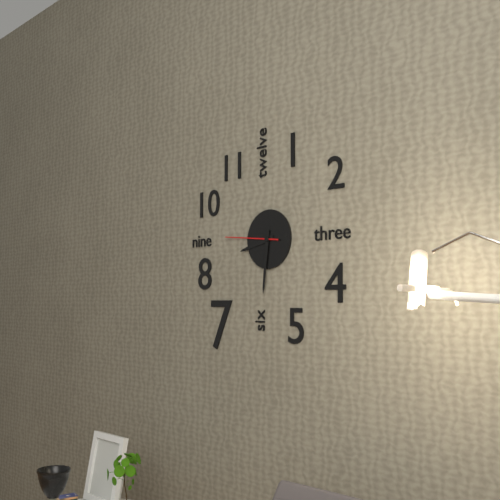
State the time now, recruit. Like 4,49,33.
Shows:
8,31,46
